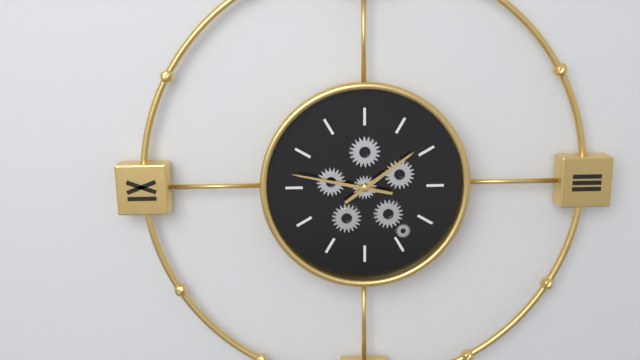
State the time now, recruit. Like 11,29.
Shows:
1,47
